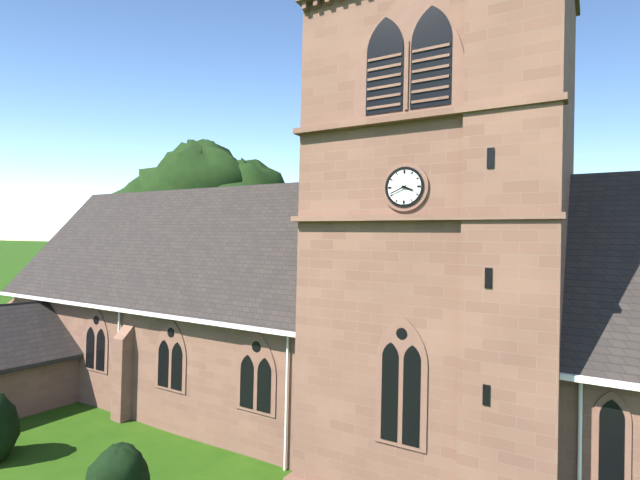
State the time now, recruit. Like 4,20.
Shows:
3,41
